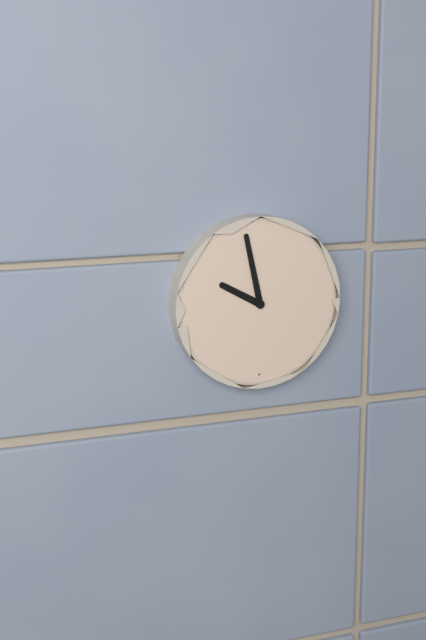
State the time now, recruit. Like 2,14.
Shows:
9,58
